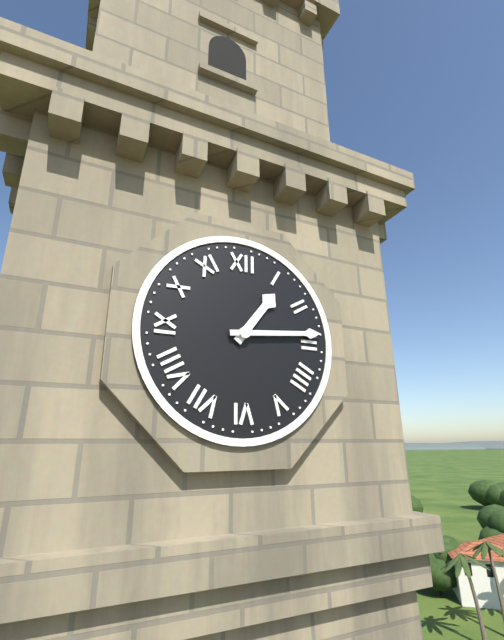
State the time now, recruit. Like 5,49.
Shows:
1,14
